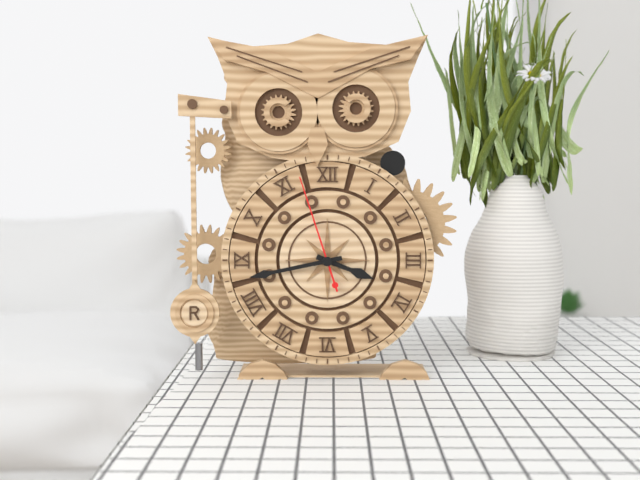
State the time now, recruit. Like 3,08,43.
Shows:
3,43,57
